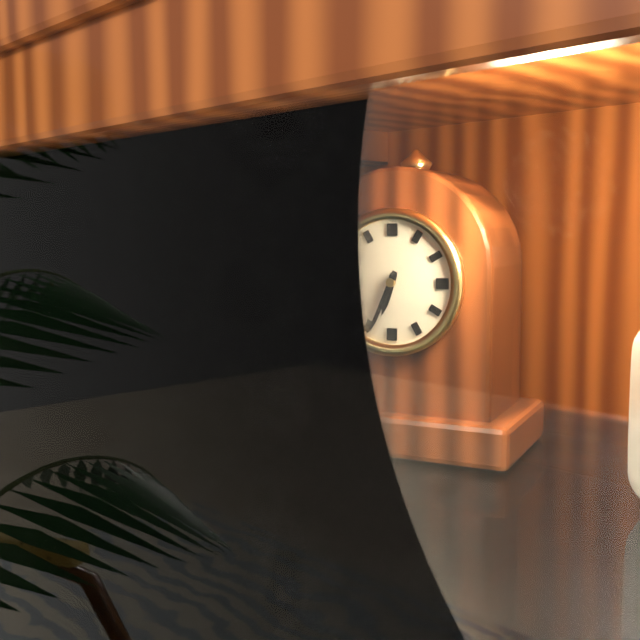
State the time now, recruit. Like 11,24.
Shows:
6,34
